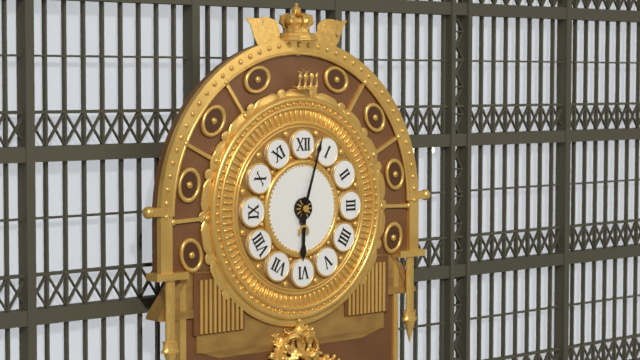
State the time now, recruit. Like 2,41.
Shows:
6,03
